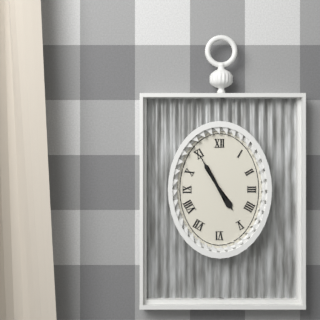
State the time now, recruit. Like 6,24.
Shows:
4,55
